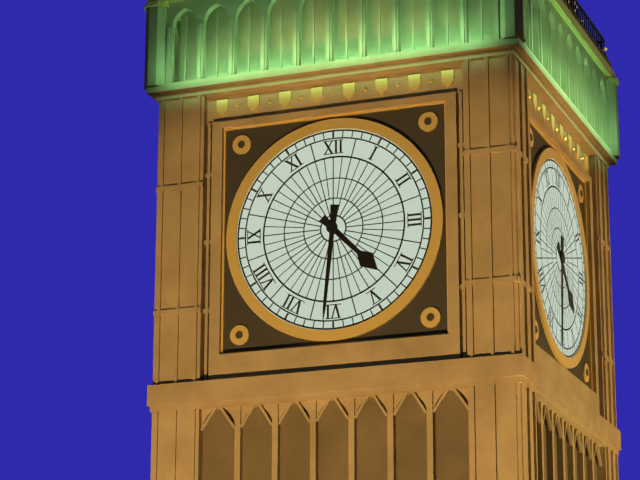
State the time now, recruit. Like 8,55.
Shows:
4,31
